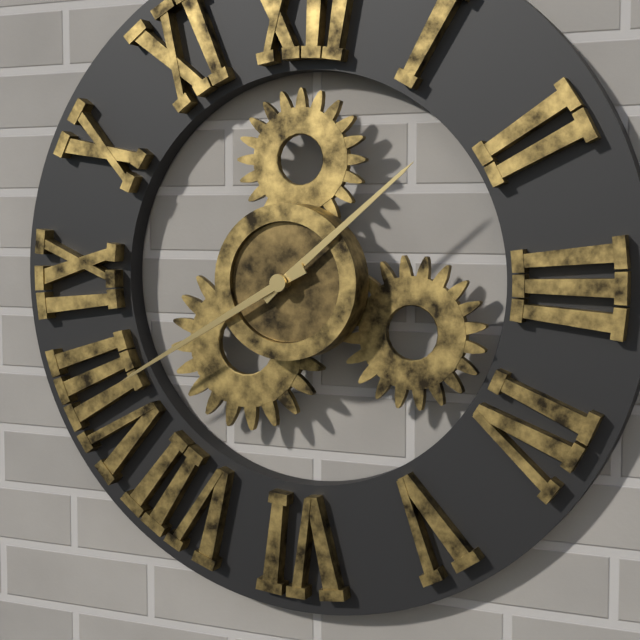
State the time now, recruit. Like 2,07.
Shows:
1,40
